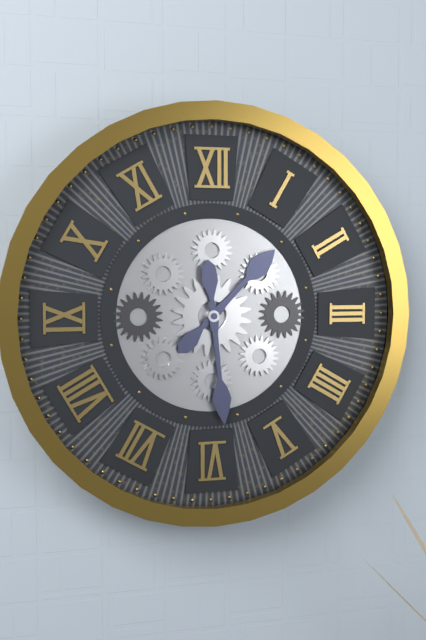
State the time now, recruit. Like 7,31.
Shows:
1,29
